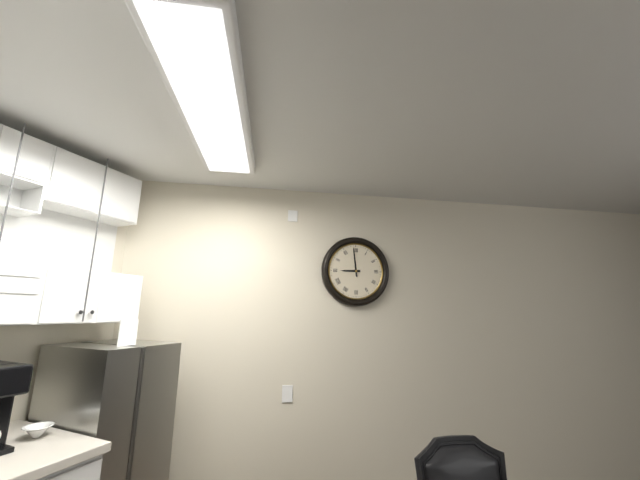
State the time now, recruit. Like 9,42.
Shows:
8,59
